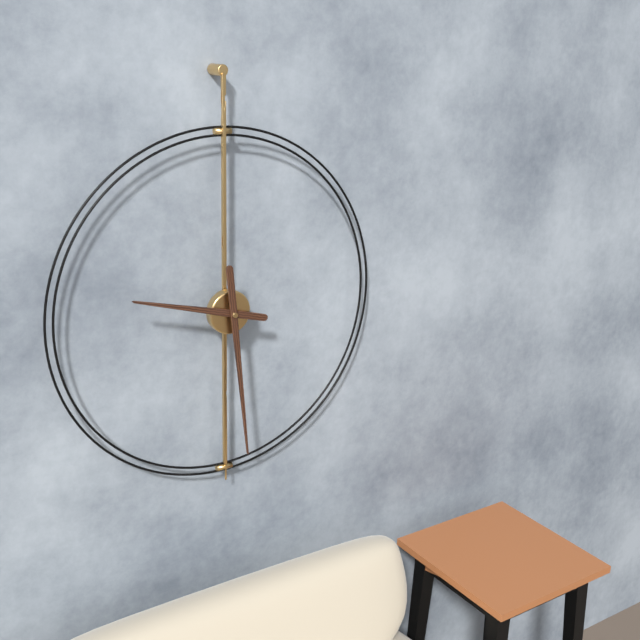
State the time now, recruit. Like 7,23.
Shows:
9,29
